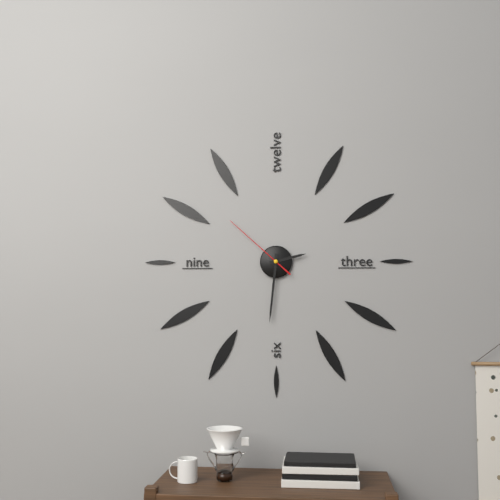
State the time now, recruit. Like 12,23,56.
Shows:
2,31,52
